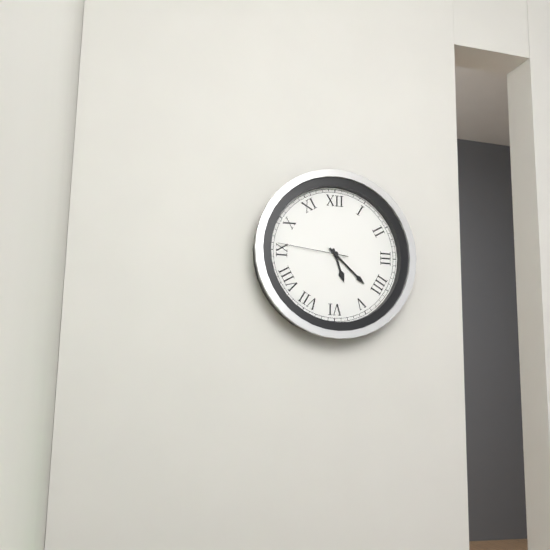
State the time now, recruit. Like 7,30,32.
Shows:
5,22,46
